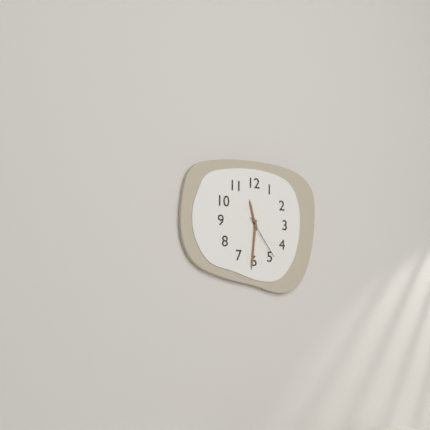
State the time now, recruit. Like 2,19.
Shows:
11,31
